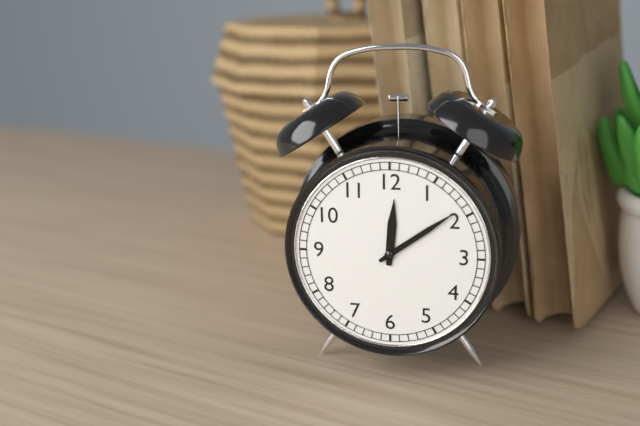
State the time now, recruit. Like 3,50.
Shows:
12,09
